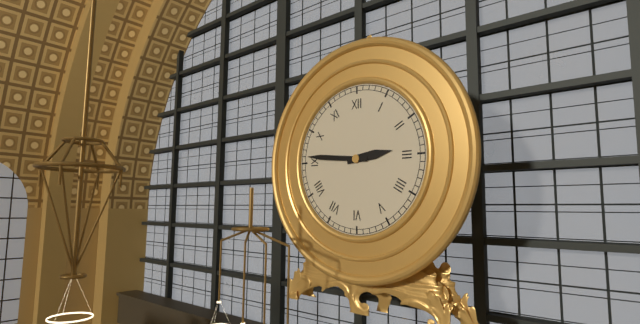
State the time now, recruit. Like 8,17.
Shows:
2,46
